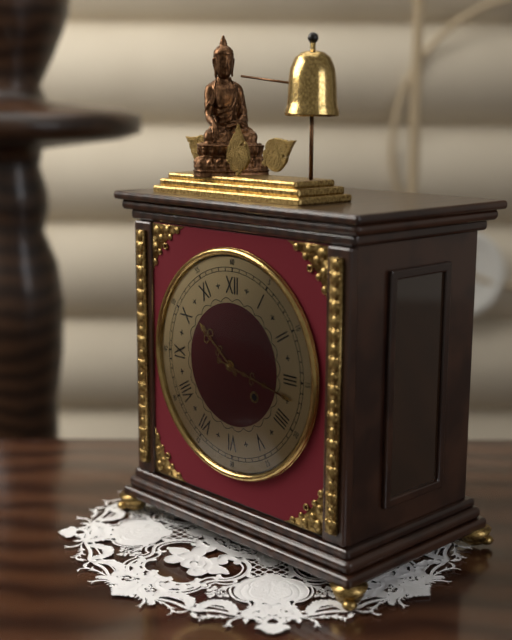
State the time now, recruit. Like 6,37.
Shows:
10,17
